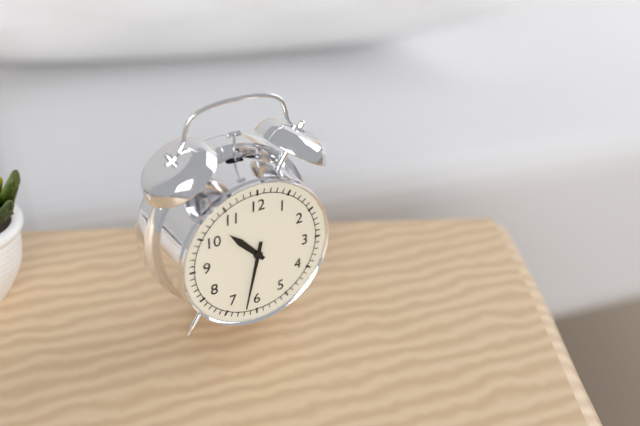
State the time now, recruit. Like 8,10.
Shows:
10,32
